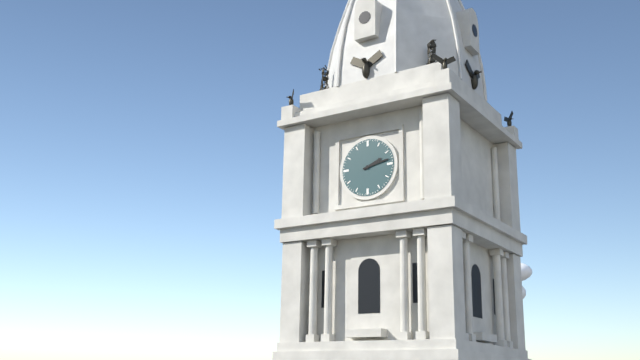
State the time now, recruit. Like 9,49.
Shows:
2,13
